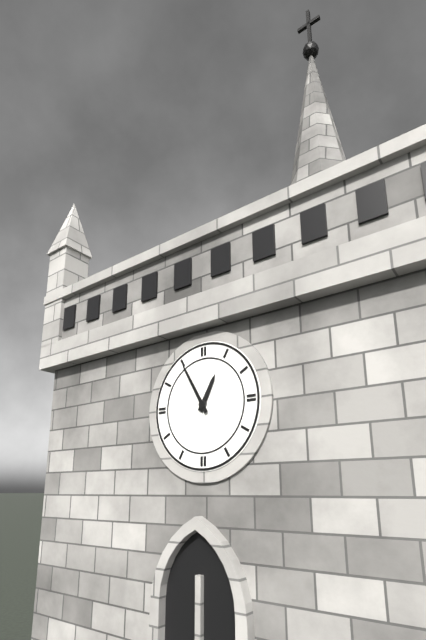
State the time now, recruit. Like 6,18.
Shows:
12,55
